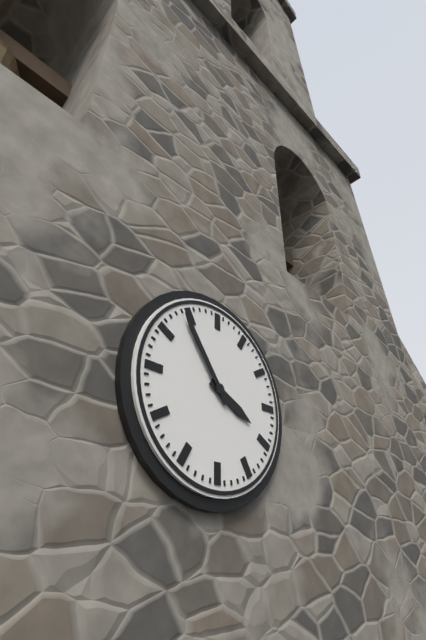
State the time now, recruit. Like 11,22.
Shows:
3,54
